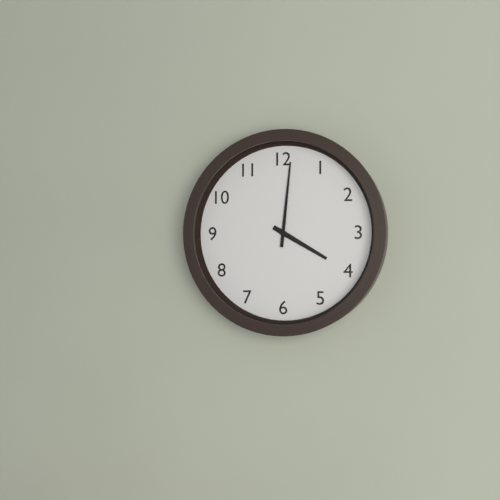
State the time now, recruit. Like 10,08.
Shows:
4,01
